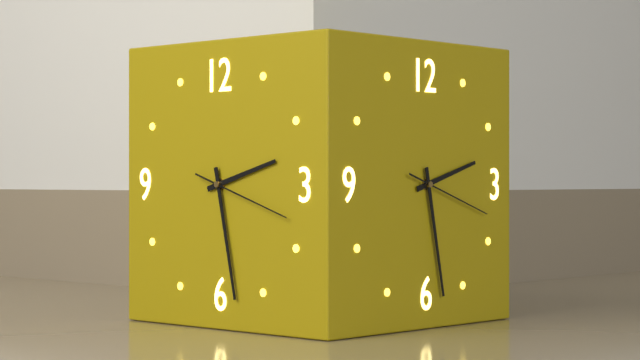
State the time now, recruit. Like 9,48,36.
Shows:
2,28,18
